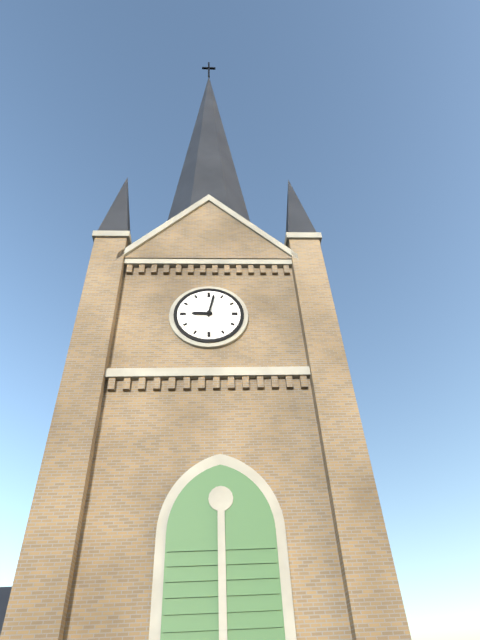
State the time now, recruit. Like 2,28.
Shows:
9,02
